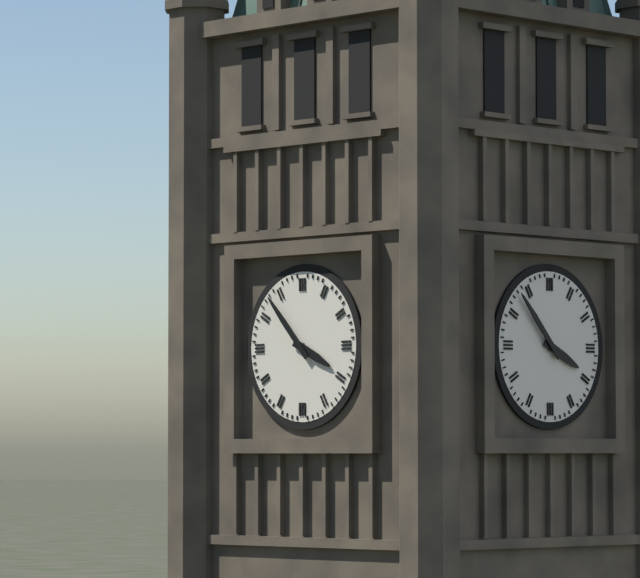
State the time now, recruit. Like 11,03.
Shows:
3,53
